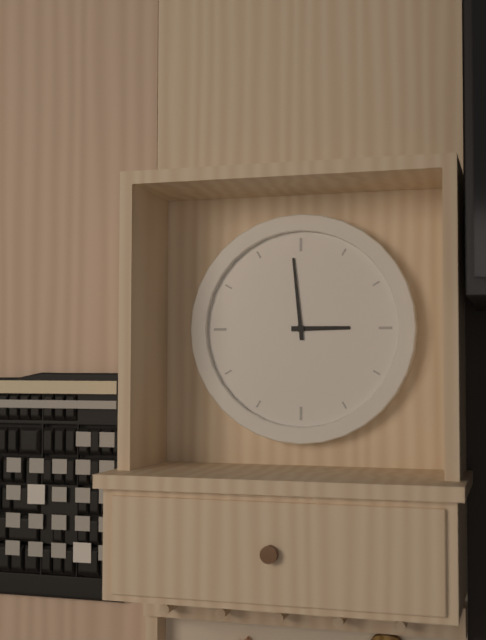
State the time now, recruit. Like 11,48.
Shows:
2,59
